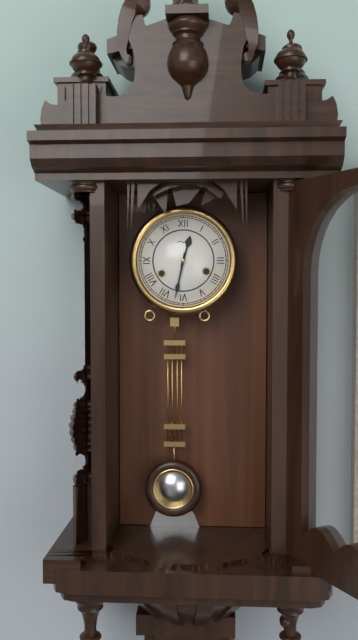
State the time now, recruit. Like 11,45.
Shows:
12,32
